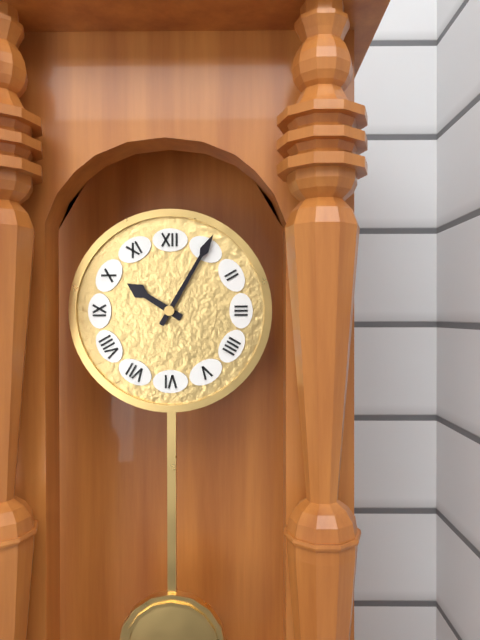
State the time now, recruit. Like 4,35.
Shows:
10,05
